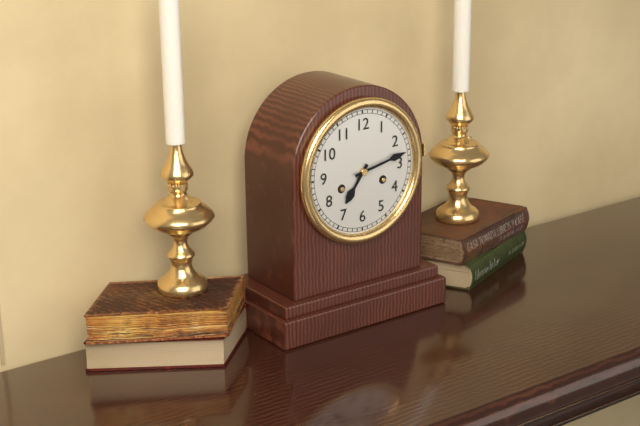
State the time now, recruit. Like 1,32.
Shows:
7,13
